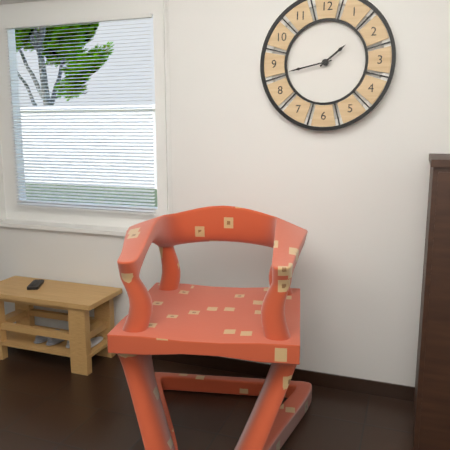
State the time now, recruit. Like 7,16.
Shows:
1,43
